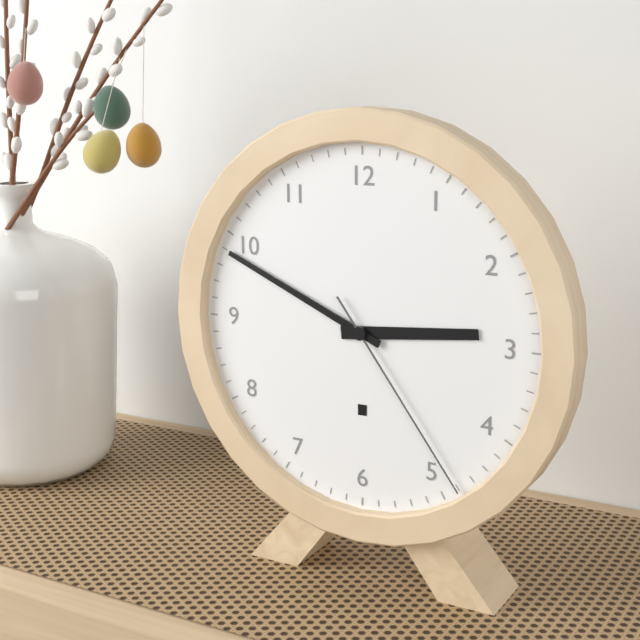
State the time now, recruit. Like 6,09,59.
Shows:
2,49,24
